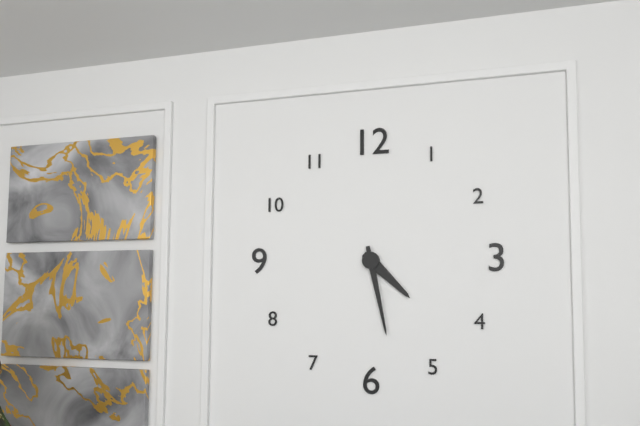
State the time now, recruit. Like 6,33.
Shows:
4,28
